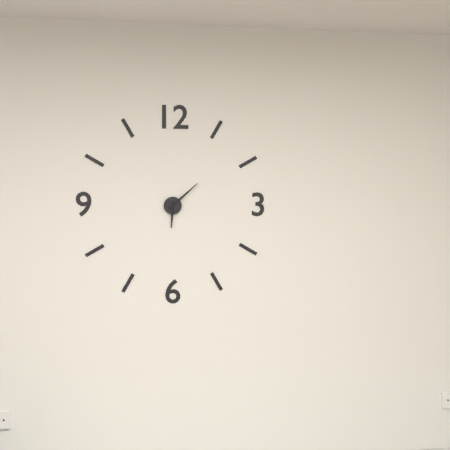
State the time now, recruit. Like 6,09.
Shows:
6,08
